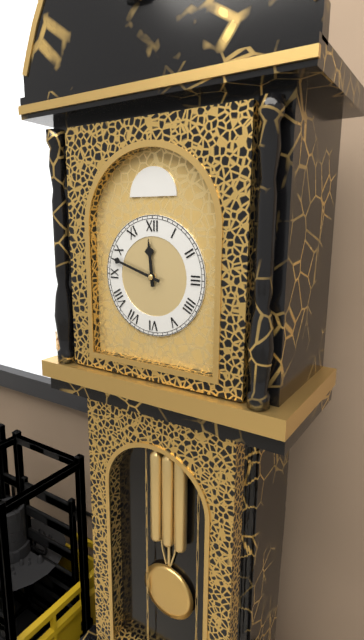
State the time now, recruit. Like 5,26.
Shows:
11,48
